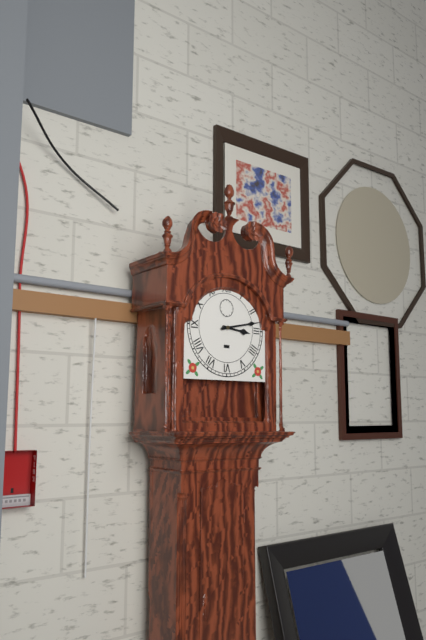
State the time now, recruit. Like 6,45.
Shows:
3,13
